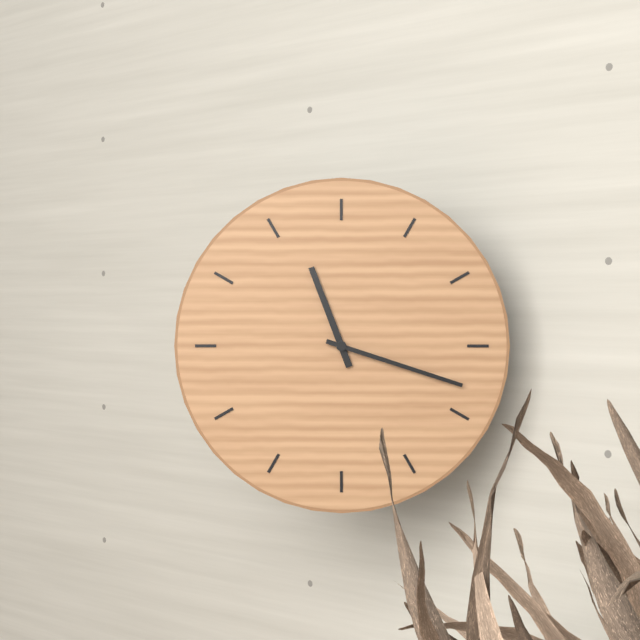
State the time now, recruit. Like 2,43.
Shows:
11,18
